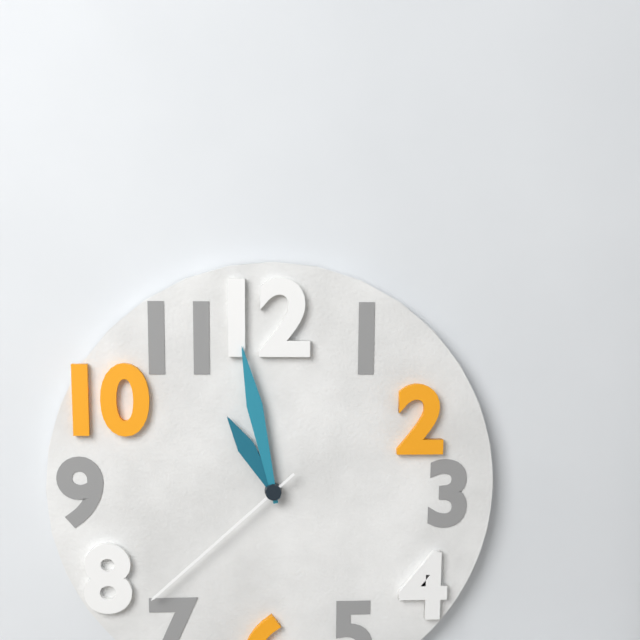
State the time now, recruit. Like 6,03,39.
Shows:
10,58,38
